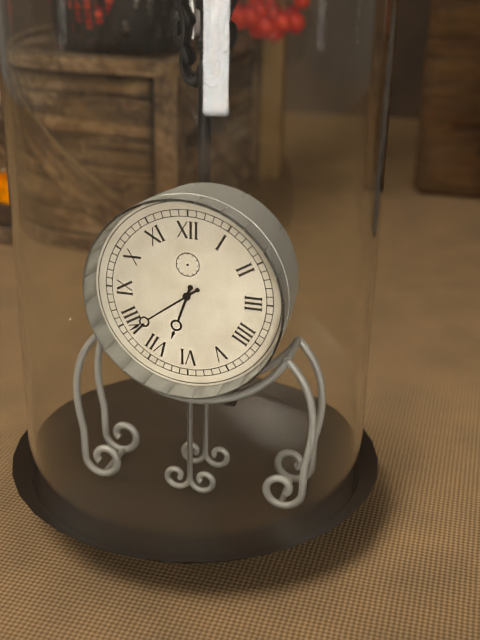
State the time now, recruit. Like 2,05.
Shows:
6,39
